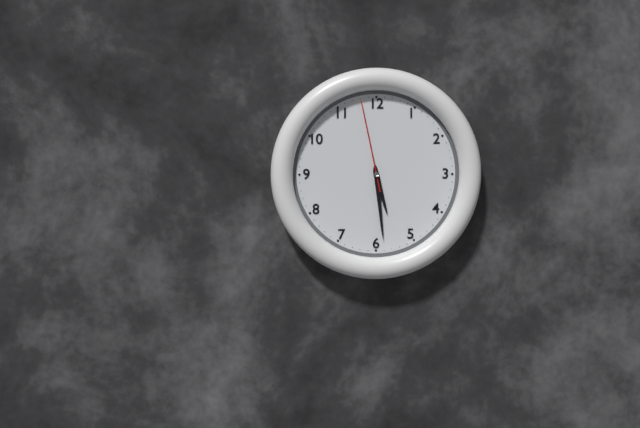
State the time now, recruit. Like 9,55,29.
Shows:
5,29,58
